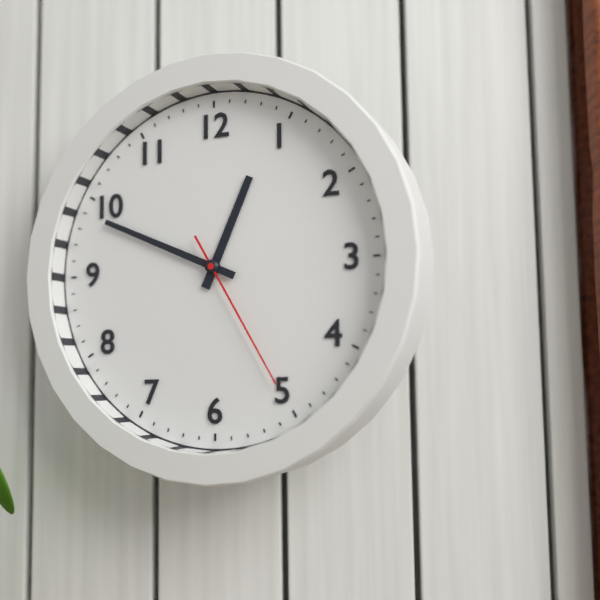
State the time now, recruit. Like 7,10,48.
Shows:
12,49,25
